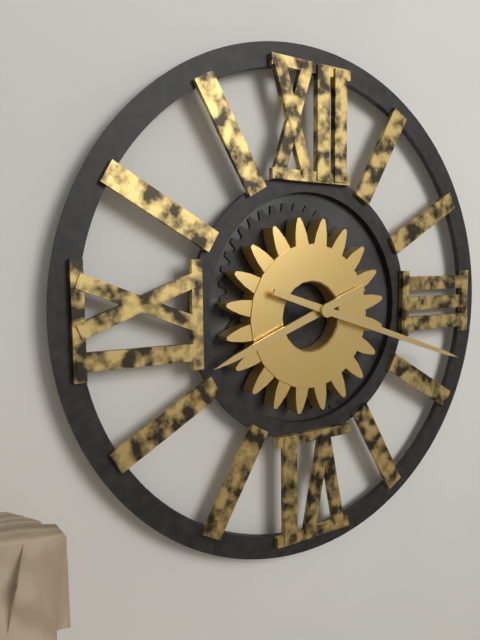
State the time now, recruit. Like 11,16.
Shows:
8,18
